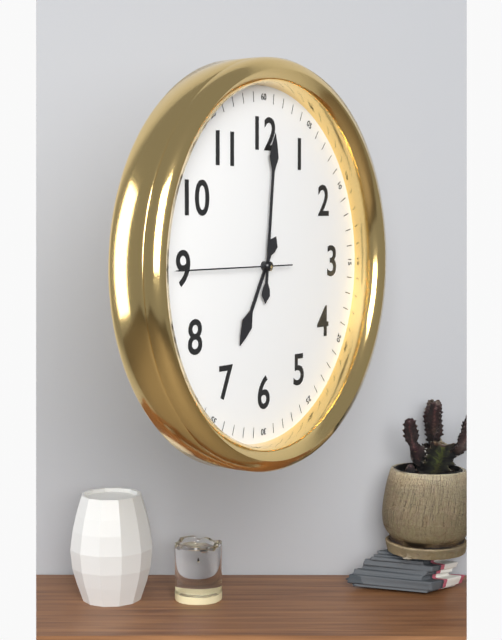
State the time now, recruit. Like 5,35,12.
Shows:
7,01,45
